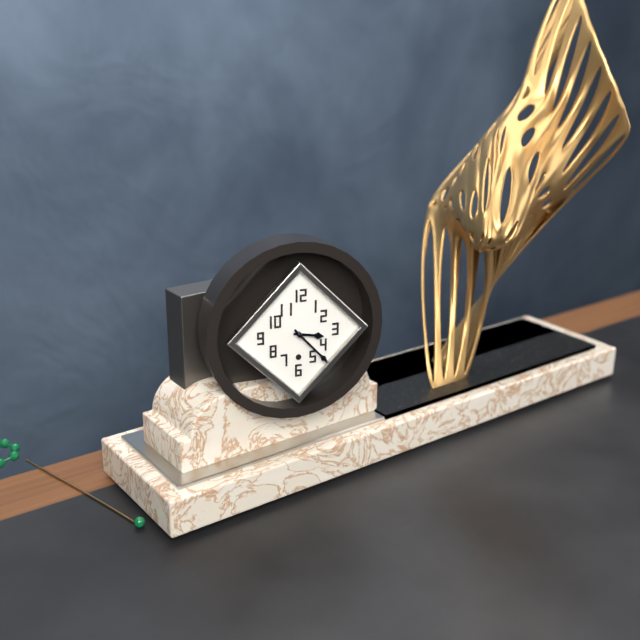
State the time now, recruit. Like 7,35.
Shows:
3,23
